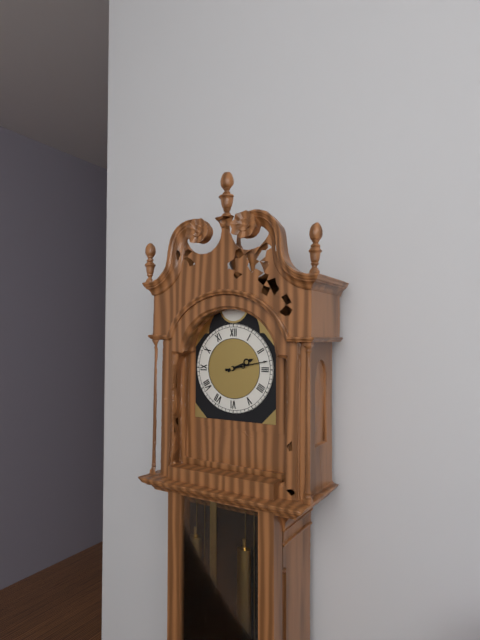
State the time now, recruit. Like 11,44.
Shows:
2,13
